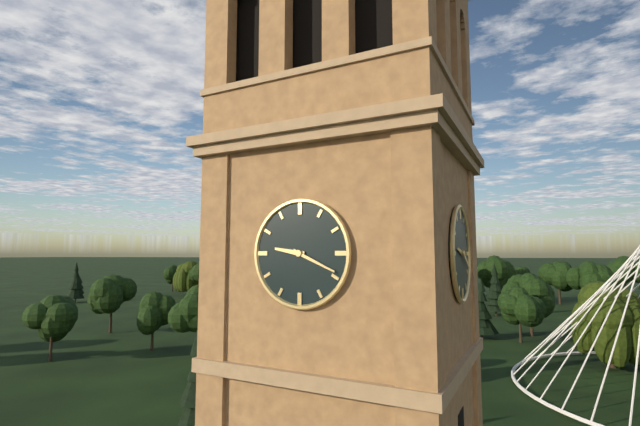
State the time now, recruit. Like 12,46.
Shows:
9,19
